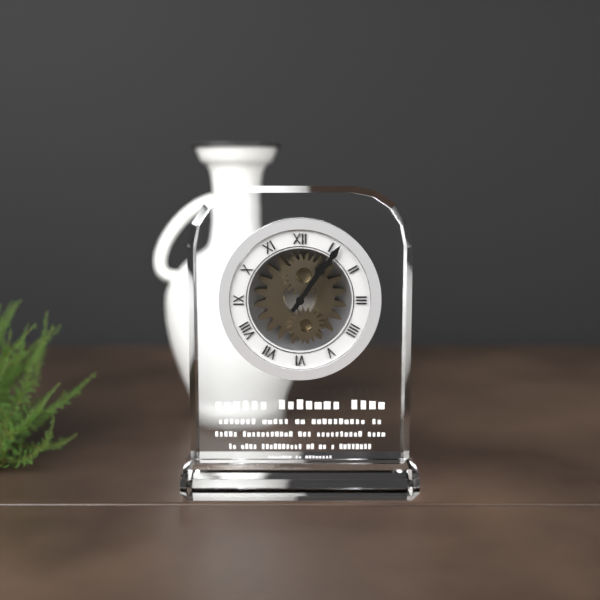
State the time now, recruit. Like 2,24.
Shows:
1,06
